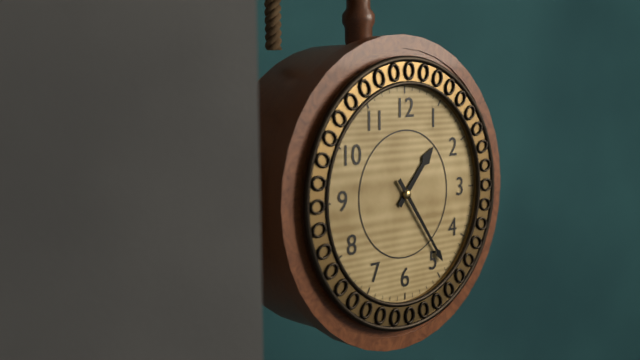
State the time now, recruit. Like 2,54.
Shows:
1,24
